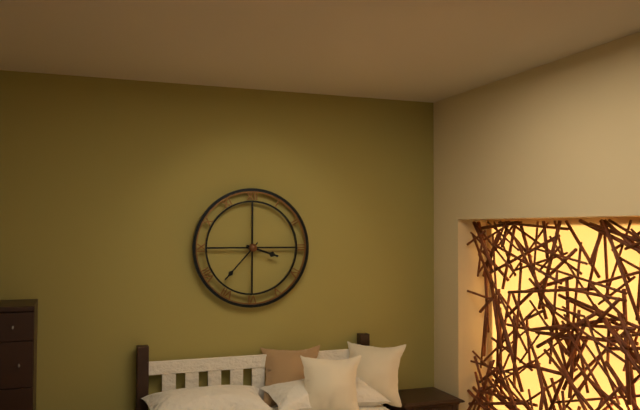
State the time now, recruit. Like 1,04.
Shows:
3,37
